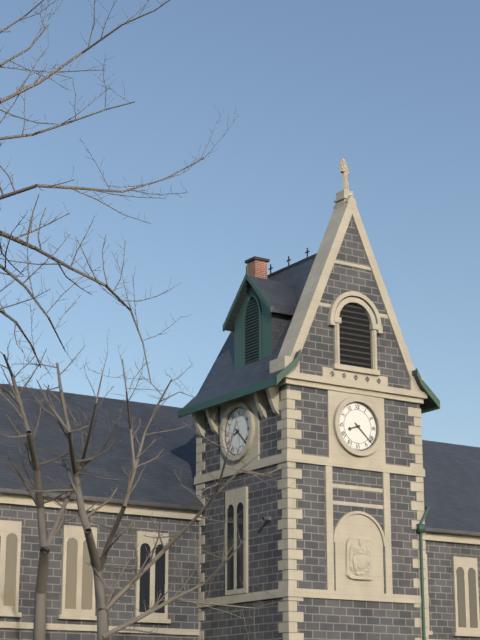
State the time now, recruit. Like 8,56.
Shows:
8,22
